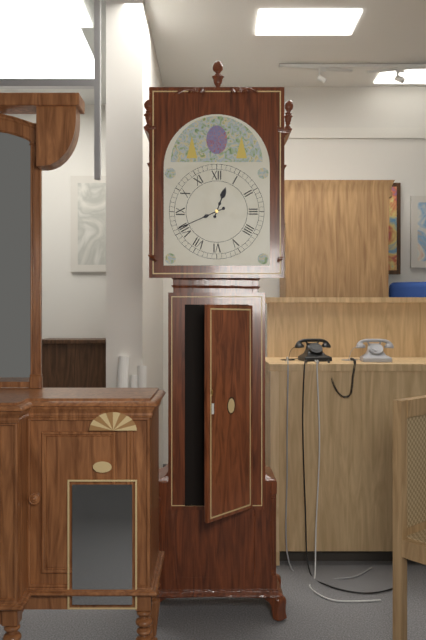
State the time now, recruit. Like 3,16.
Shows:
12,41
